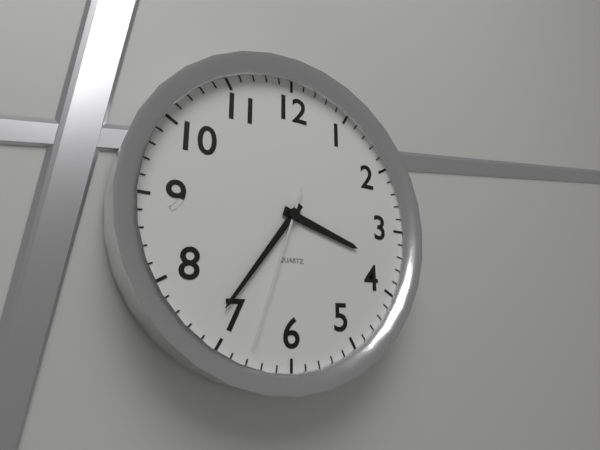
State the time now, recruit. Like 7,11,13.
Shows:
3,36,33
